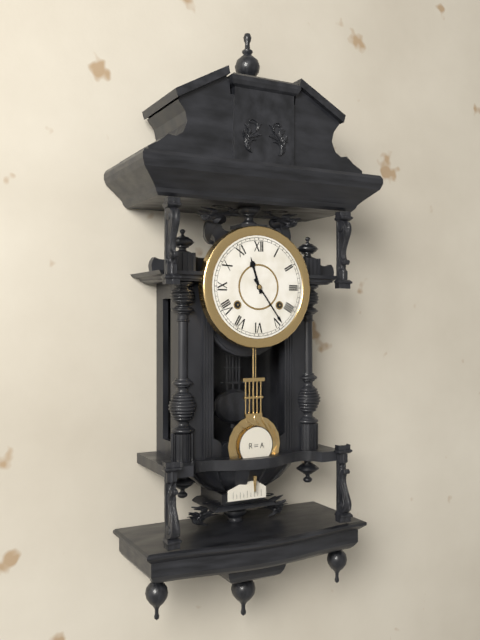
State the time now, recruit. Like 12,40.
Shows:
11,24
